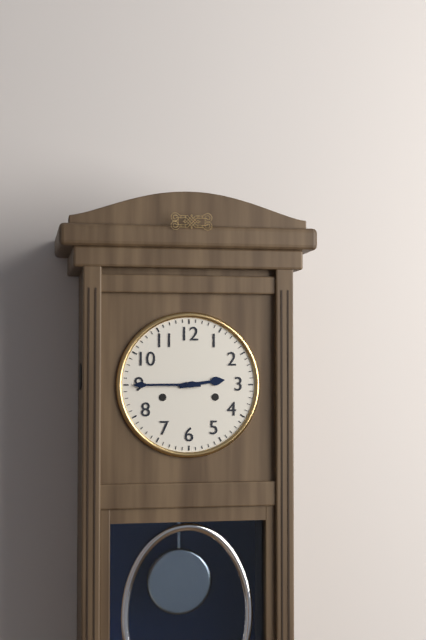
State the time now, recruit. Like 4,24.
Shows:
2,45
